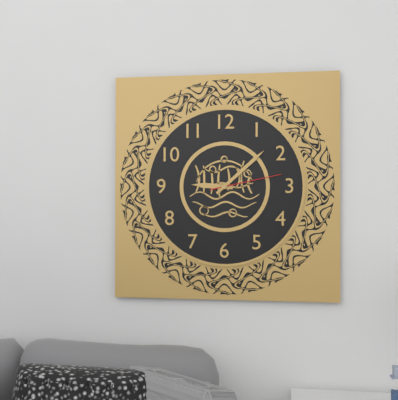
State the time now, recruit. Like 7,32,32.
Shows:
9,08,13
